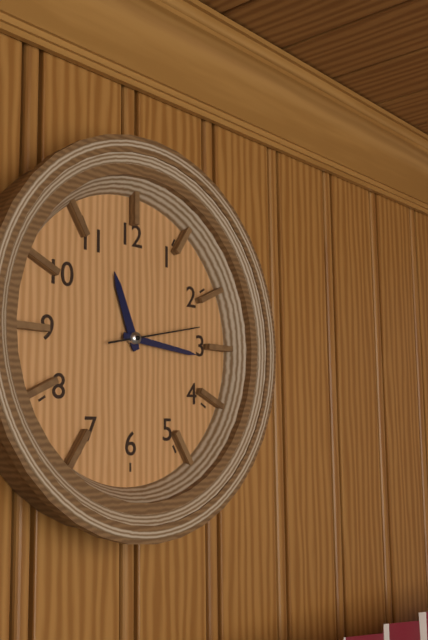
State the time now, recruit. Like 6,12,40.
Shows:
11,16,13
